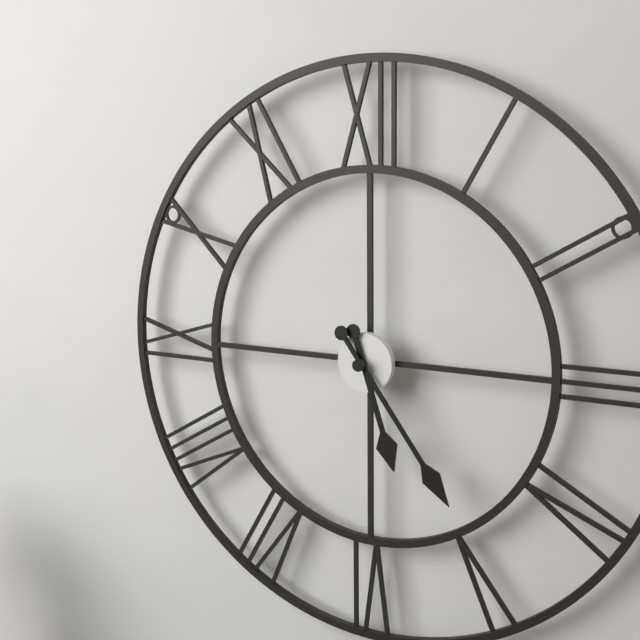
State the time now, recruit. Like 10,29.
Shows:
5,24
